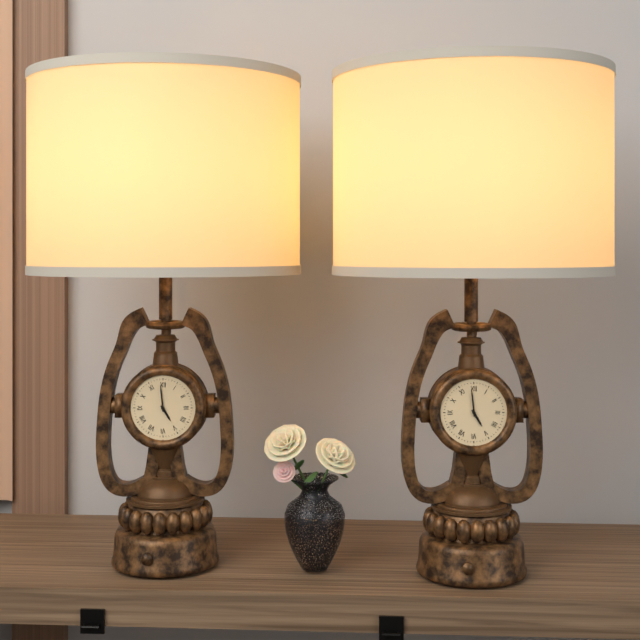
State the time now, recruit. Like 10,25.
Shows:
4,59
